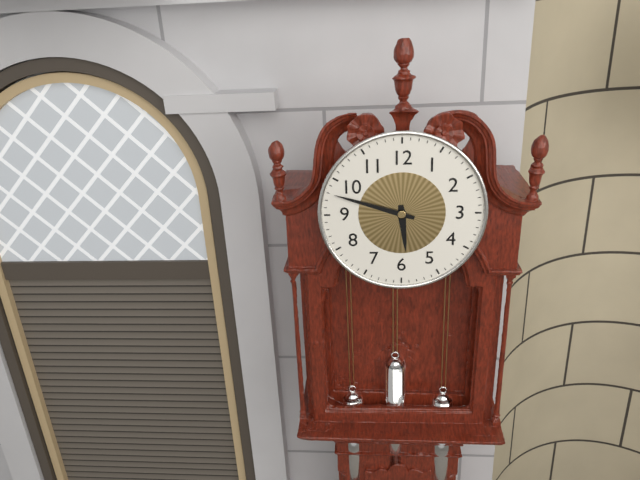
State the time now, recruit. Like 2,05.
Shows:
5,48
